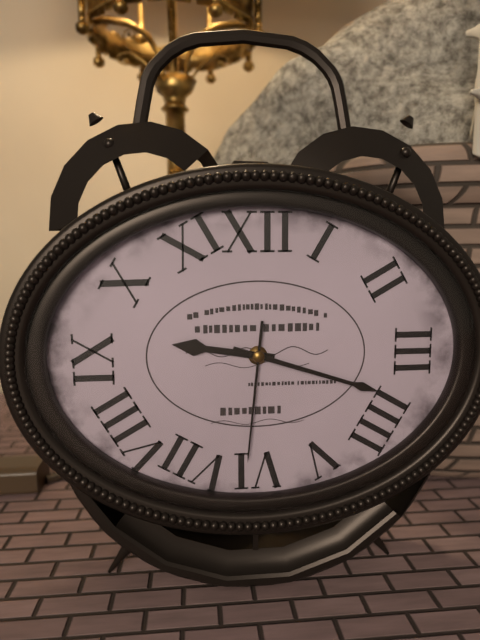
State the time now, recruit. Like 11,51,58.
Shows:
9,18,31
